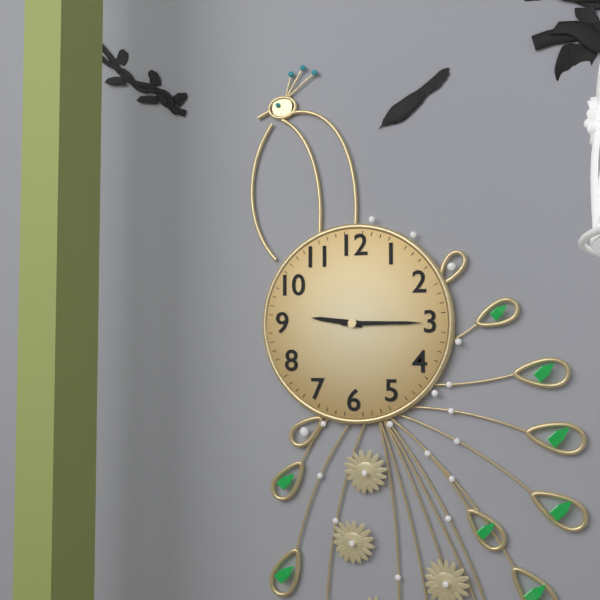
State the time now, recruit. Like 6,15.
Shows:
9,15
